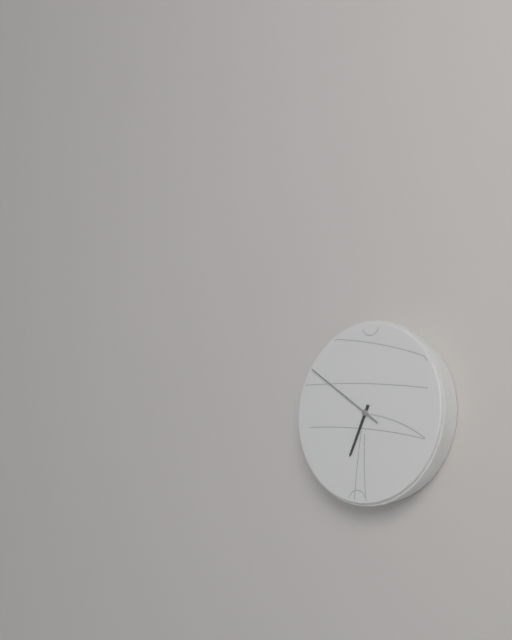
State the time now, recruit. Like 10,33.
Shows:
6,51
